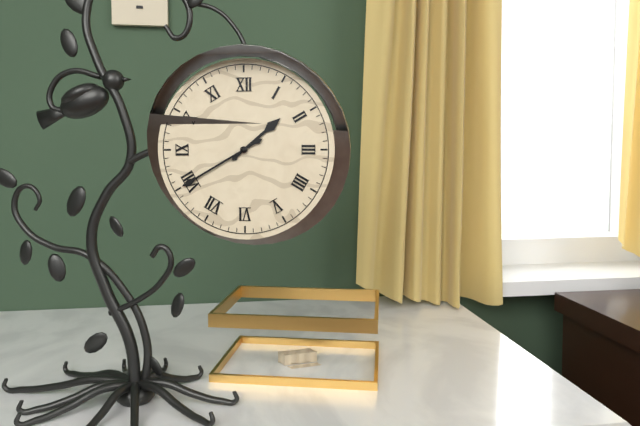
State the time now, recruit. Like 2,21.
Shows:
1,40
